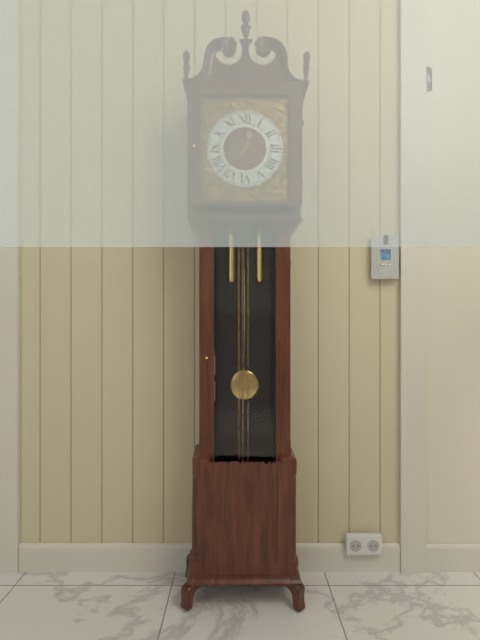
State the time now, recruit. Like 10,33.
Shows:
12,38
